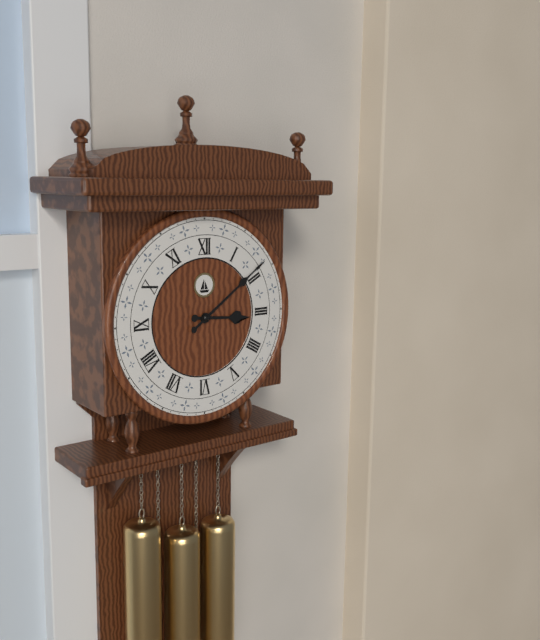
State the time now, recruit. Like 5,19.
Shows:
3,09
